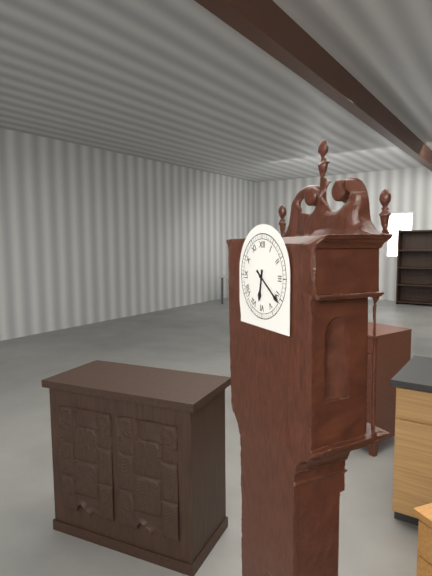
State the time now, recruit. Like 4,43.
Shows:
6,21
